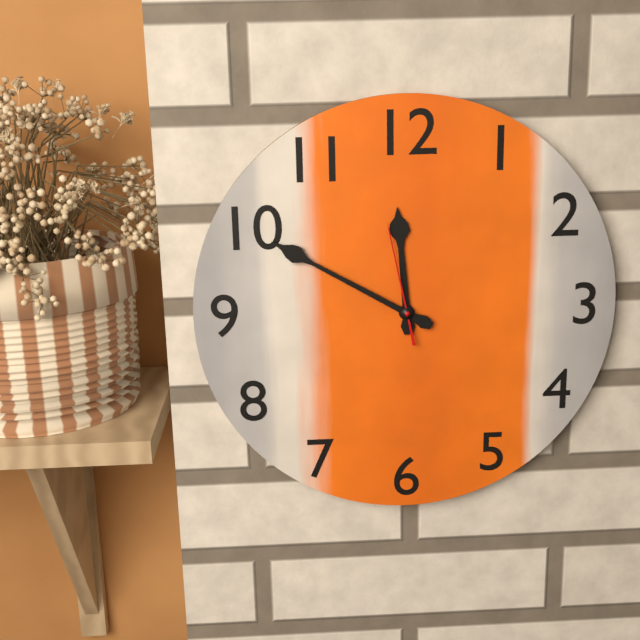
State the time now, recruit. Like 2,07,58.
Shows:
11,50,58
